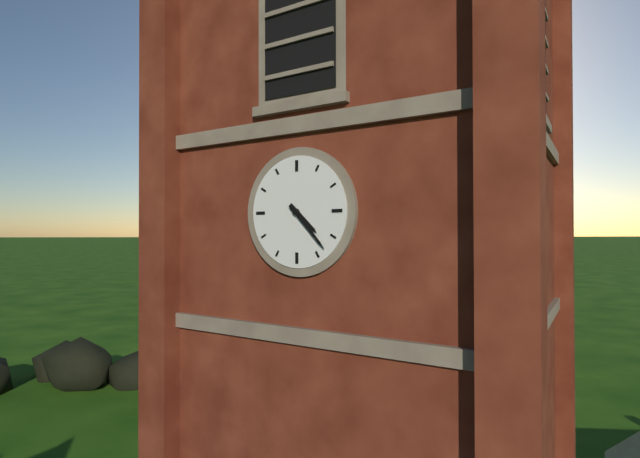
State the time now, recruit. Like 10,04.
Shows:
4,23
